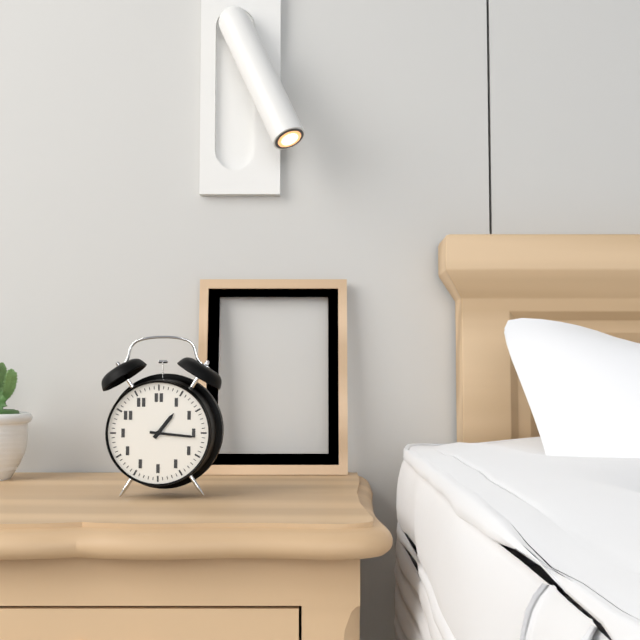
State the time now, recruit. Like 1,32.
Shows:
1,16
